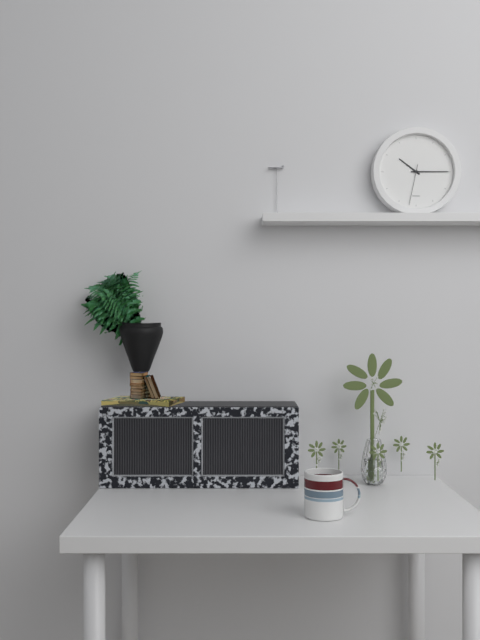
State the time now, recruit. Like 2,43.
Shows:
10,15
